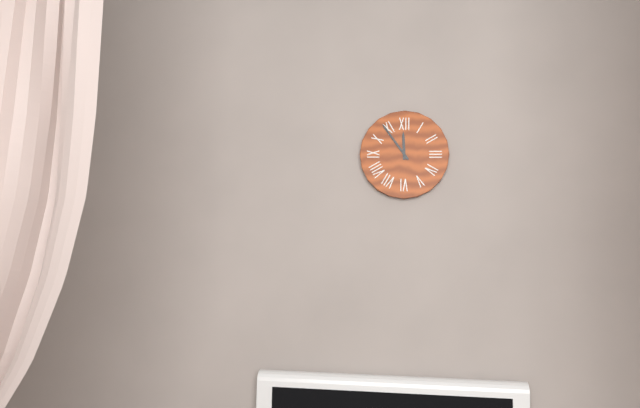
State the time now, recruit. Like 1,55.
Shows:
11,54
